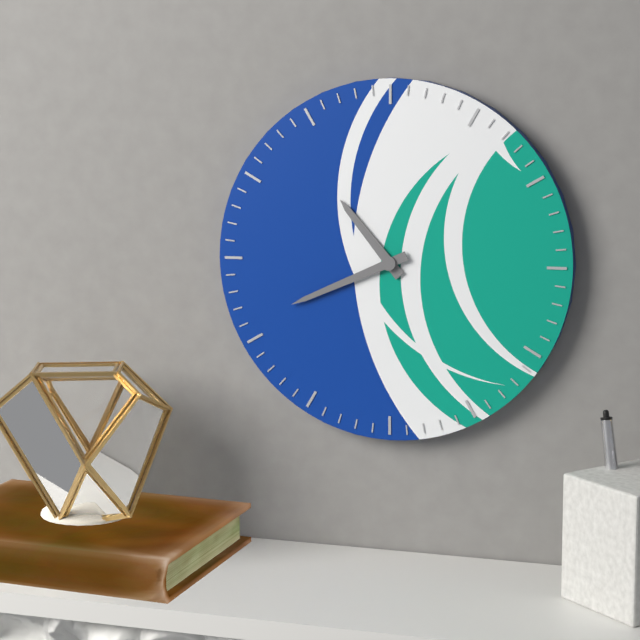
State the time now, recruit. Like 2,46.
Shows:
10,41
